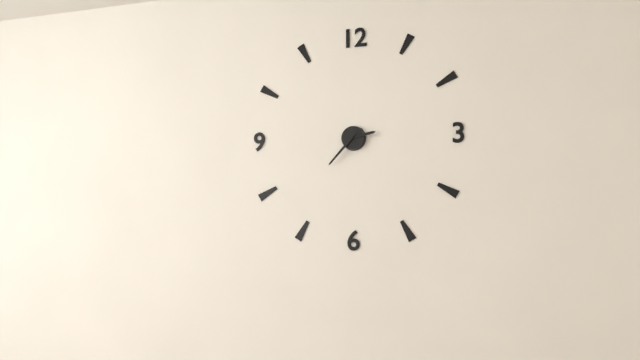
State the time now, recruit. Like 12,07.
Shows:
2,37
